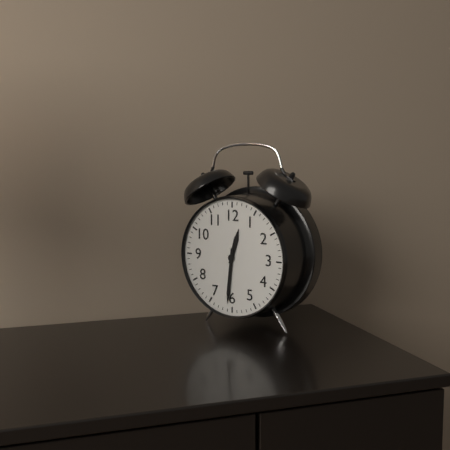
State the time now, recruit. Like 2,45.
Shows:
12,31
